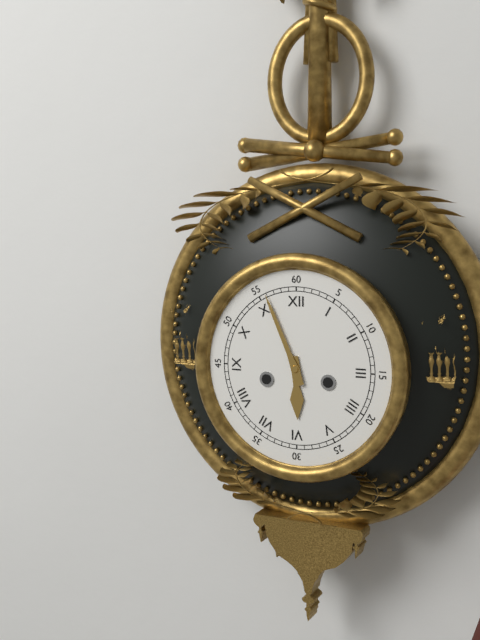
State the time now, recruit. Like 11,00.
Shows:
5,56
